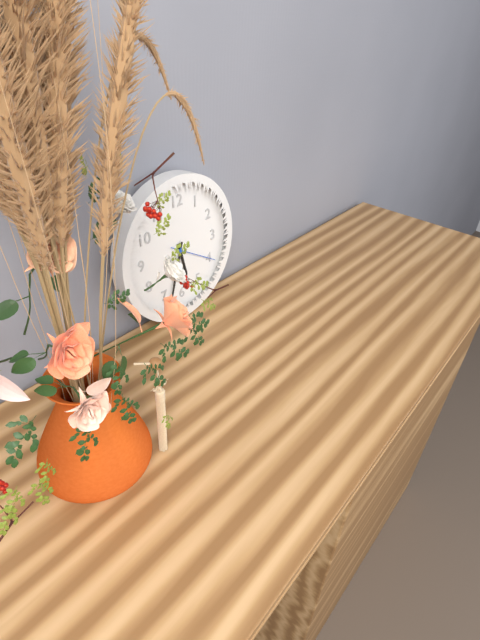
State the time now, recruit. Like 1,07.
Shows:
5,33
